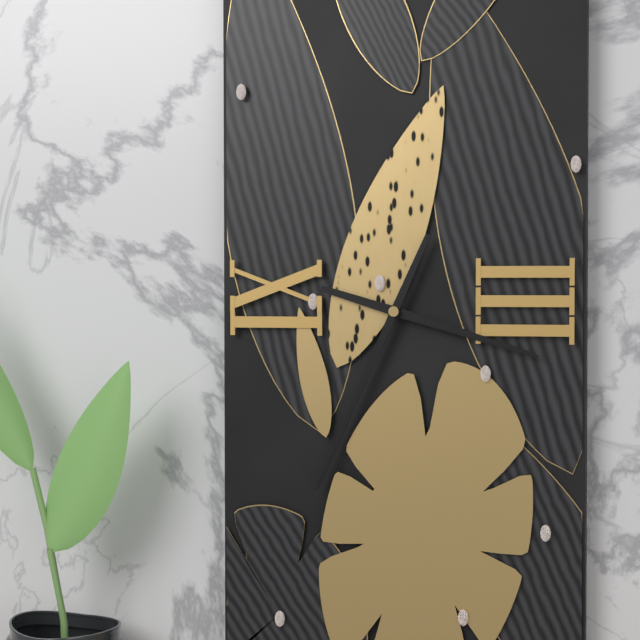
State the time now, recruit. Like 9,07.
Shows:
3,34
